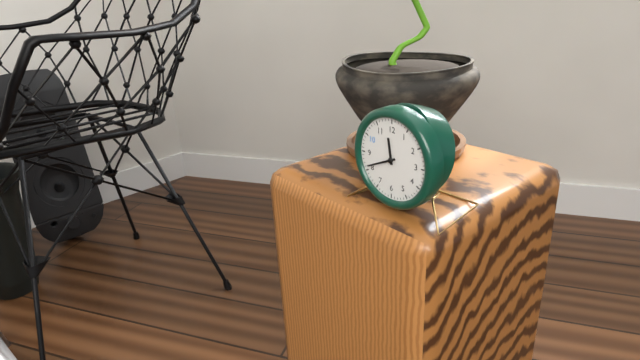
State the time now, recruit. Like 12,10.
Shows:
11,41
